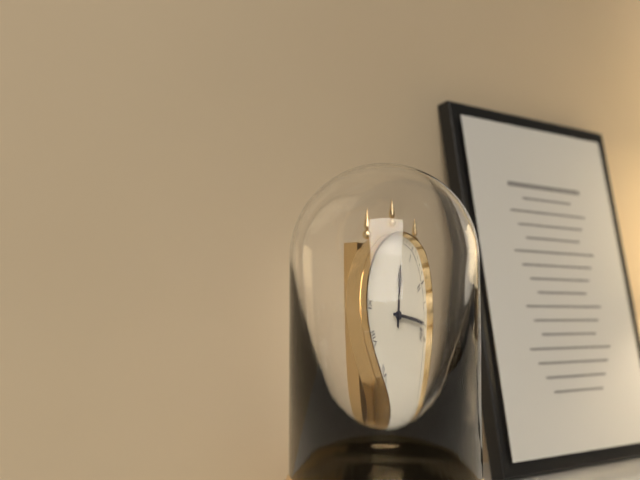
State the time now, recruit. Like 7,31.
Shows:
12,14
